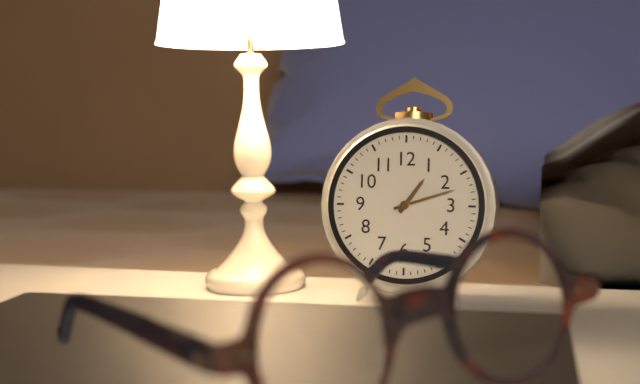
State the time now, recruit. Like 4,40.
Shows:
1,12
